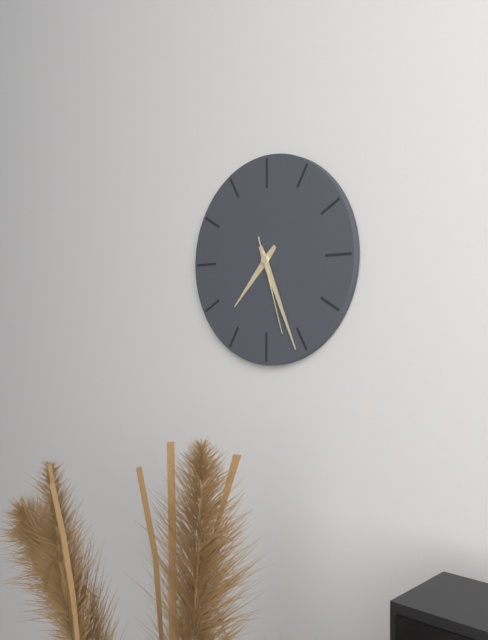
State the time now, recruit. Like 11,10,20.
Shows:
7,26,27
